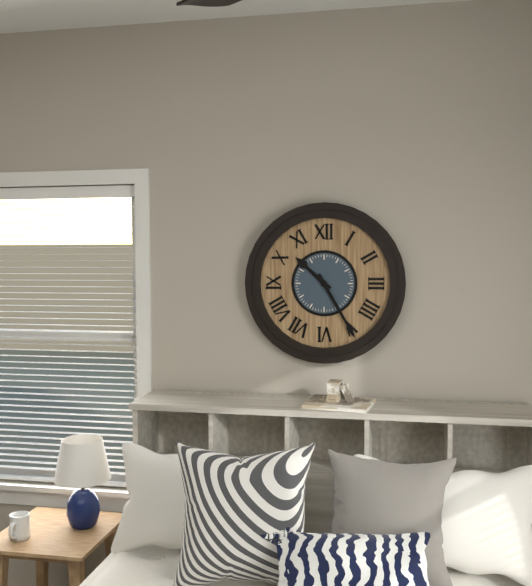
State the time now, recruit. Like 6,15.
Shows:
10,25
